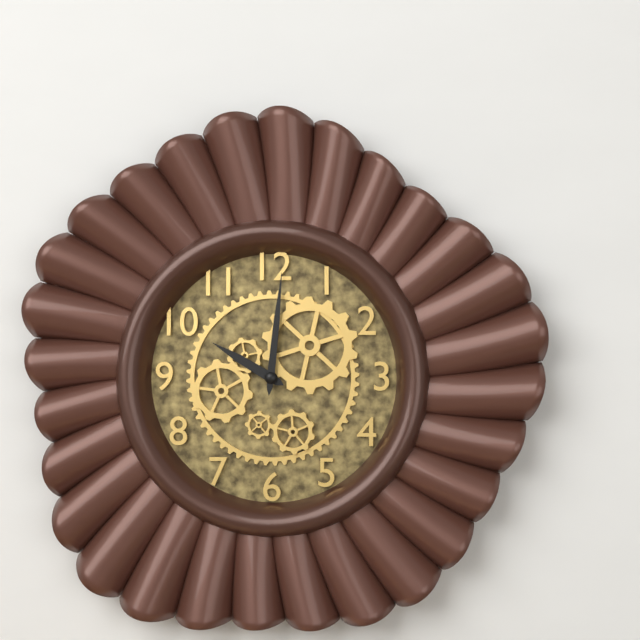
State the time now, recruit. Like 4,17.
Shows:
10,01
